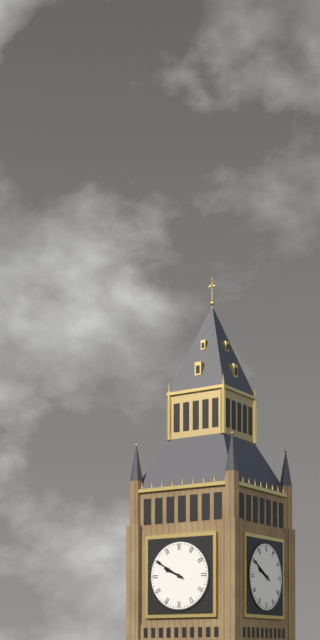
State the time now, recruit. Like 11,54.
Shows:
9,50
